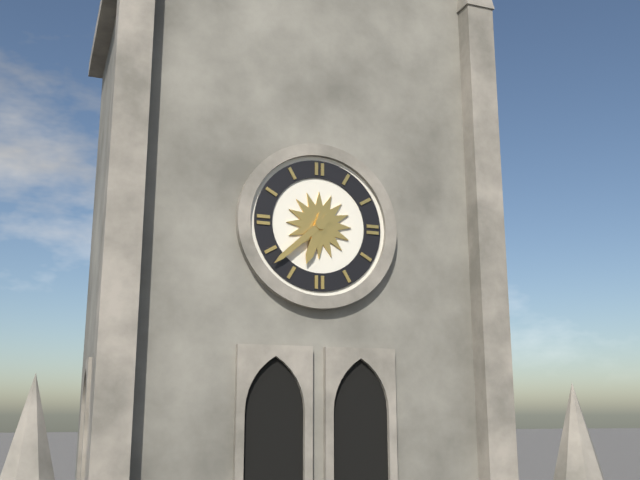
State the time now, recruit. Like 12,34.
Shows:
6,38
